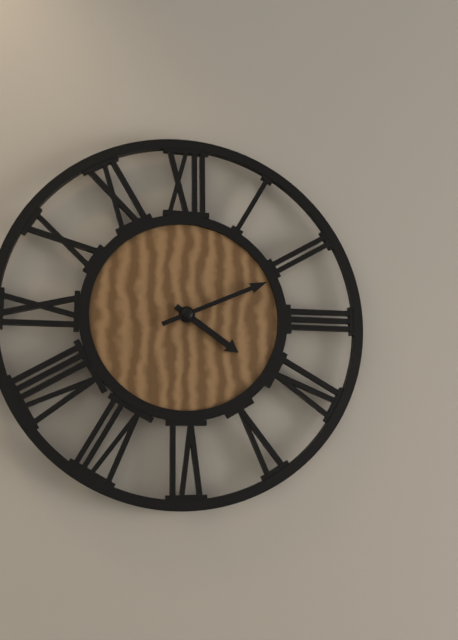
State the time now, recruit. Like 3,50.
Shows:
4,11
